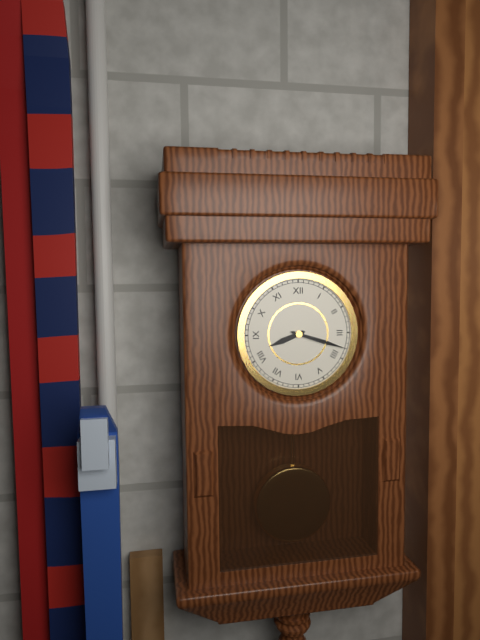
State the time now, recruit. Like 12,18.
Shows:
8,18
